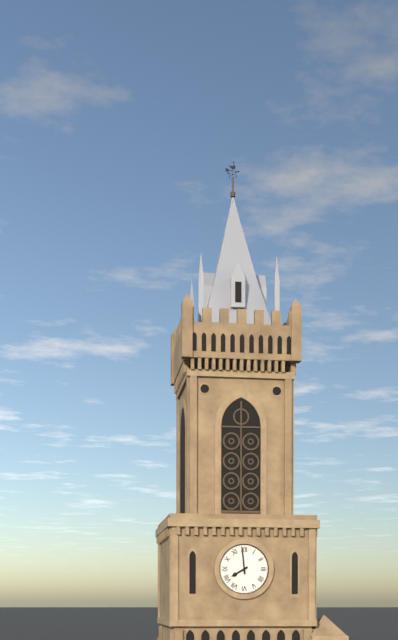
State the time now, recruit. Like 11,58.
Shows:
7,59
